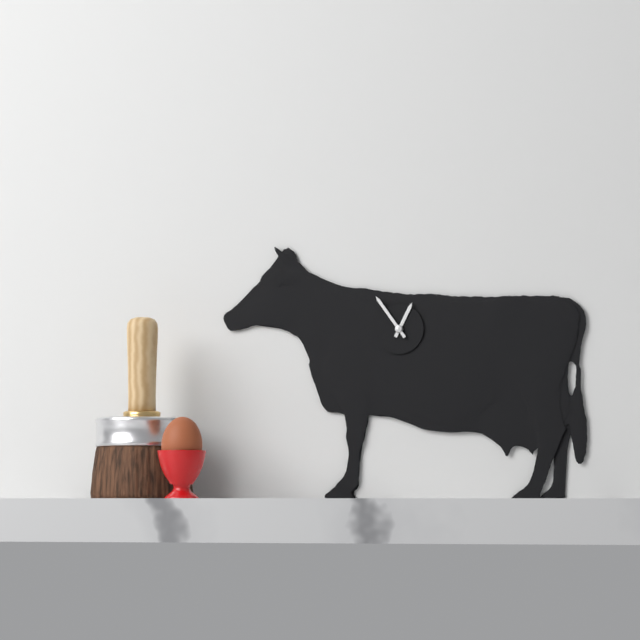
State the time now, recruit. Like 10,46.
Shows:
12,54
